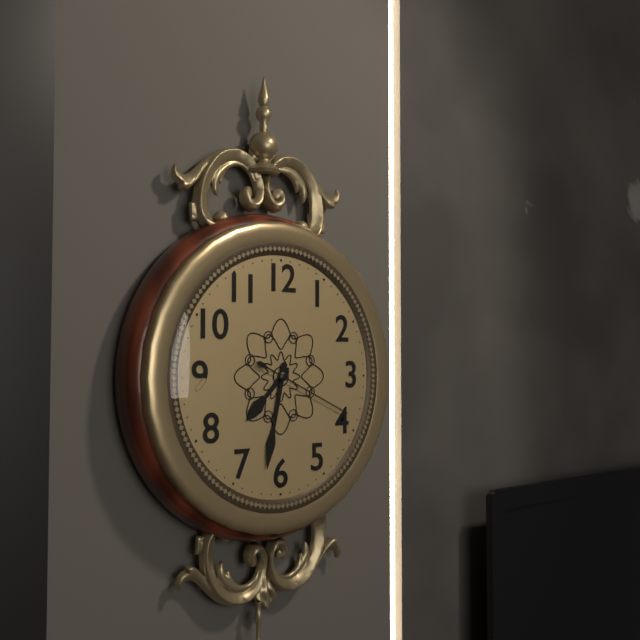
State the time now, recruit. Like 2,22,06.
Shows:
7,32,19
